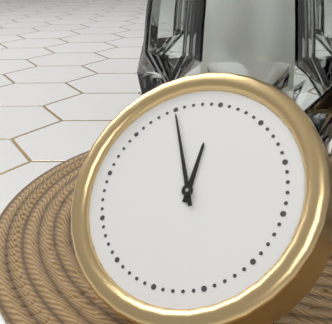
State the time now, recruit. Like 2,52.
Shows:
11,55
